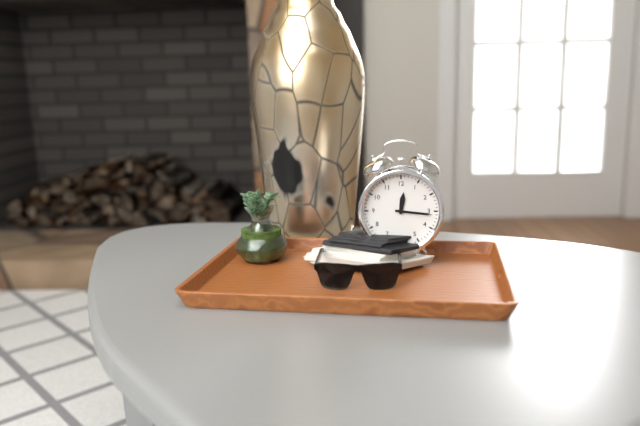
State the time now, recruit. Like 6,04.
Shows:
12,16
